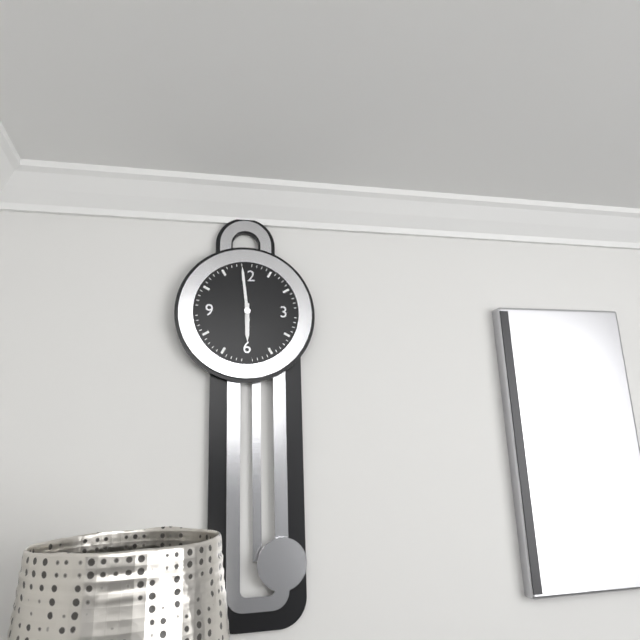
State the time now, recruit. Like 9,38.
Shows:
5,59
